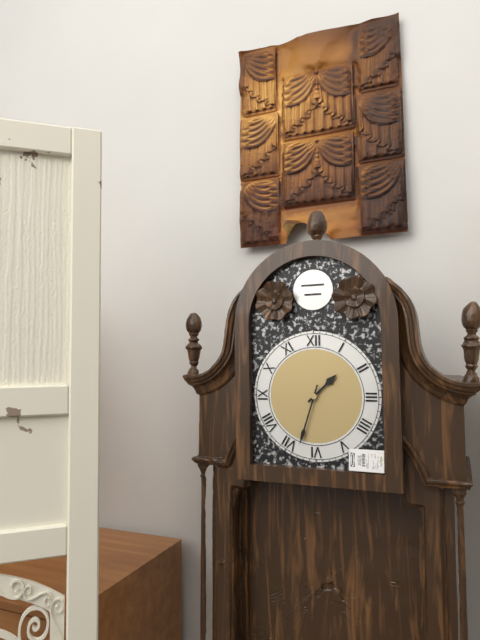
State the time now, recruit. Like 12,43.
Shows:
1,33
